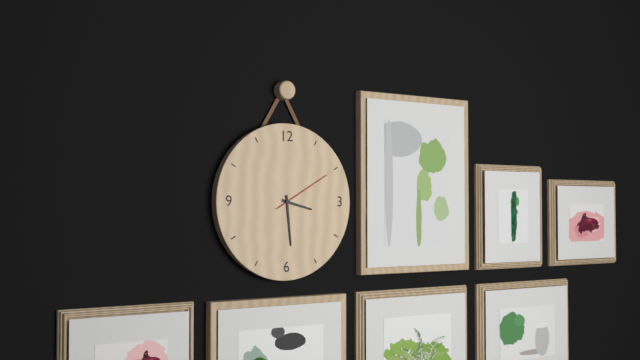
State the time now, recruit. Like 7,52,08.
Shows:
3,29,10
